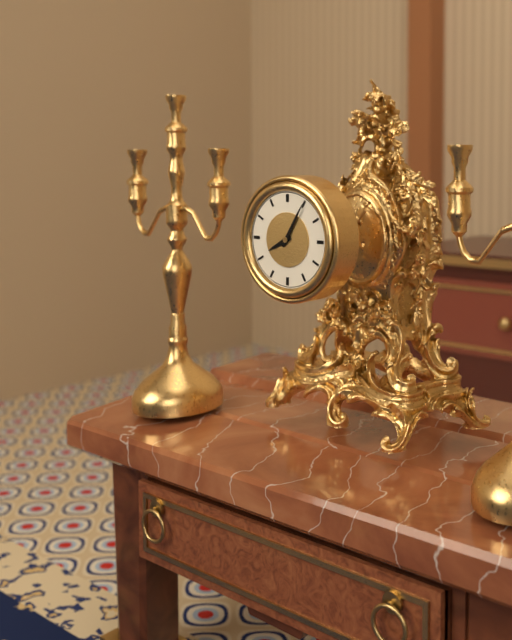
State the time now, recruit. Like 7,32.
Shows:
8,05
